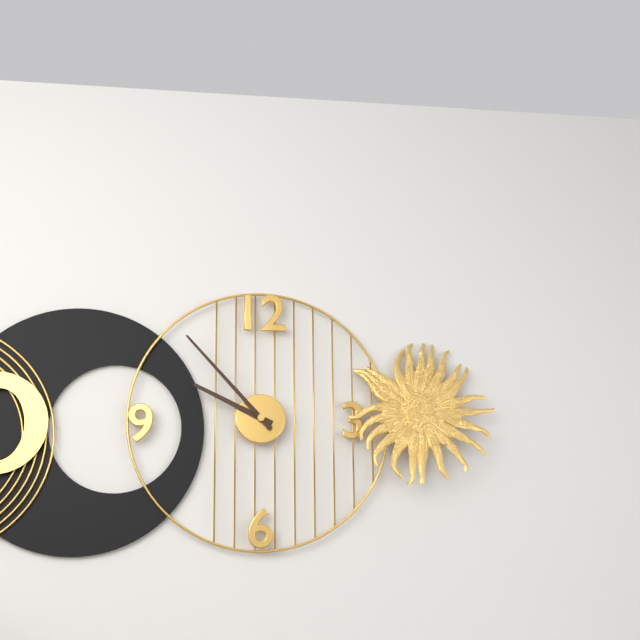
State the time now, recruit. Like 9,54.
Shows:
9,53
